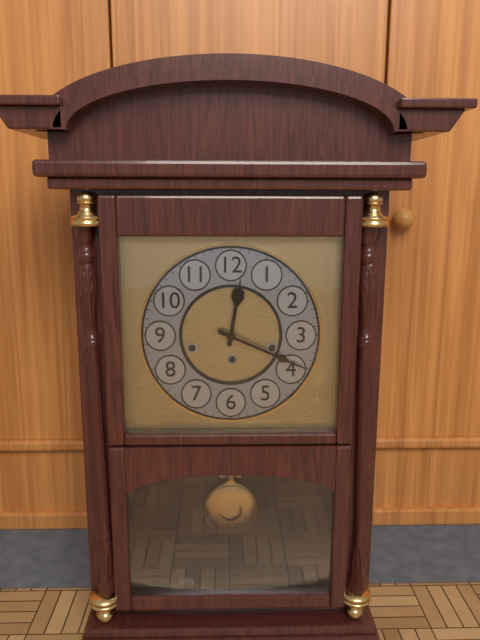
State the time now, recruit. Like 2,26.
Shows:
12,19
